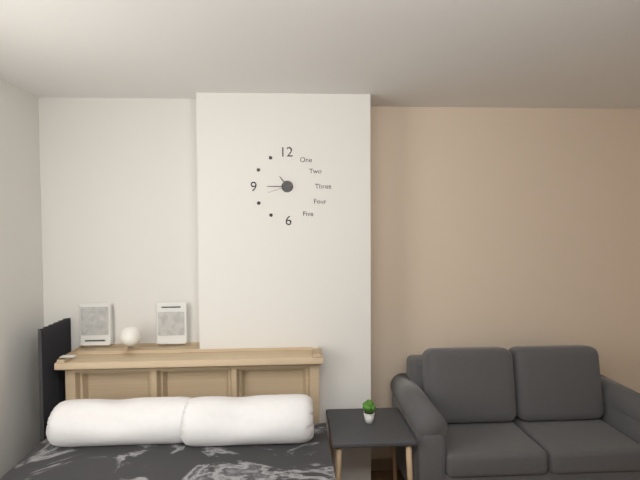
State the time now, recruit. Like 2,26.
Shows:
10,45
